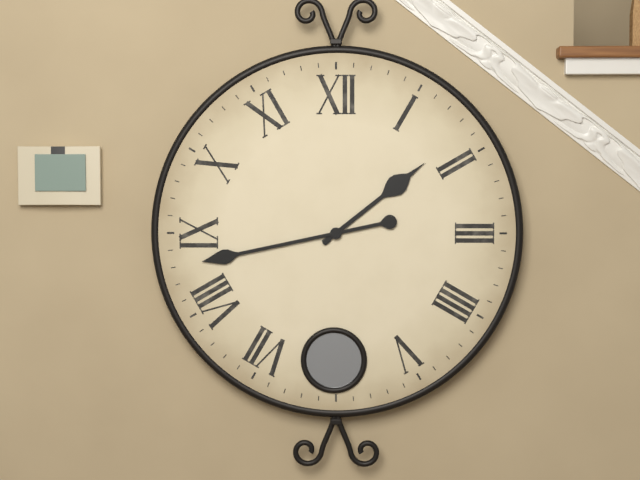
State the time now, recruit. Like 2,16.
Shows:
1,43
